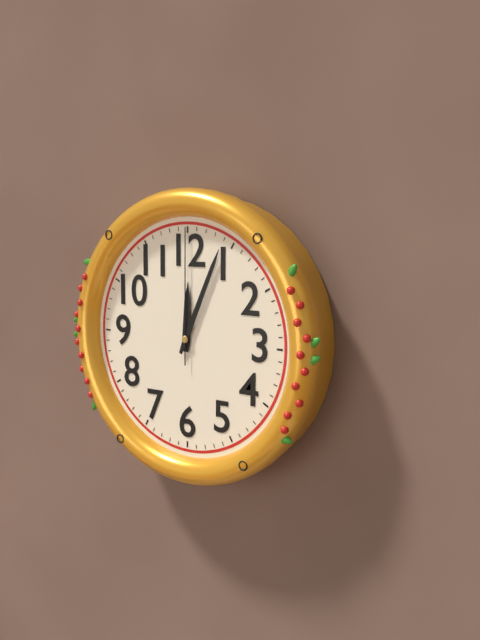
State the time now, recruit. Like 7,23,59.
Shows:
12,04,00
